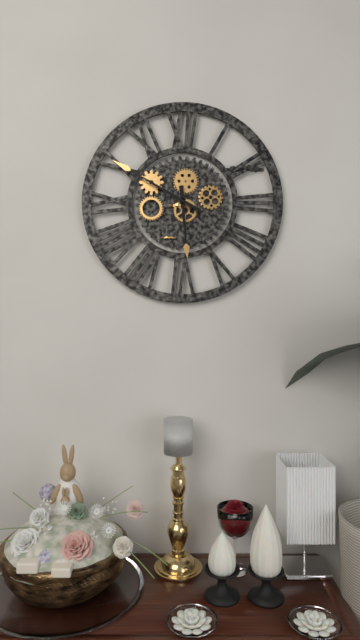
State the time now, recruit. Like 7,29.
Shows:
5,50
